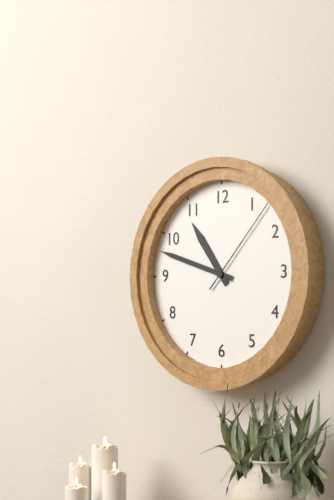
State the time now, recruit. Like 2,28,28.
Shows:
10,48,07
